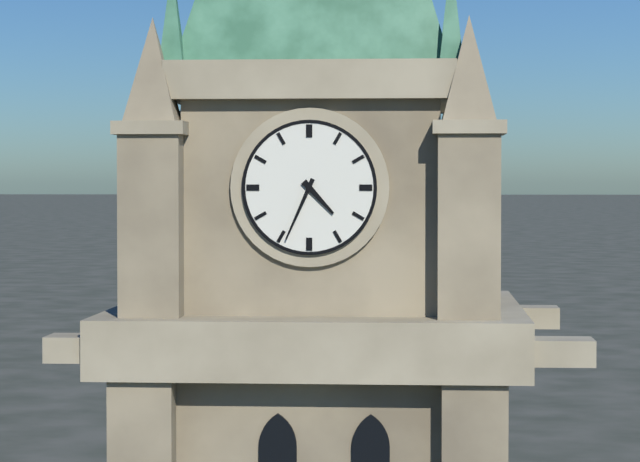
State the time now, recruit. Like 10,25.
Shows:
4,34
